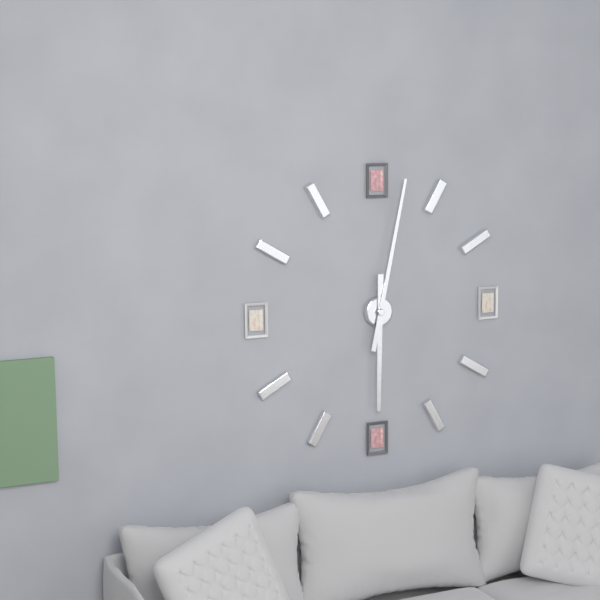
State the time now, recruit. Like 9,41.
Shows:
6,02
